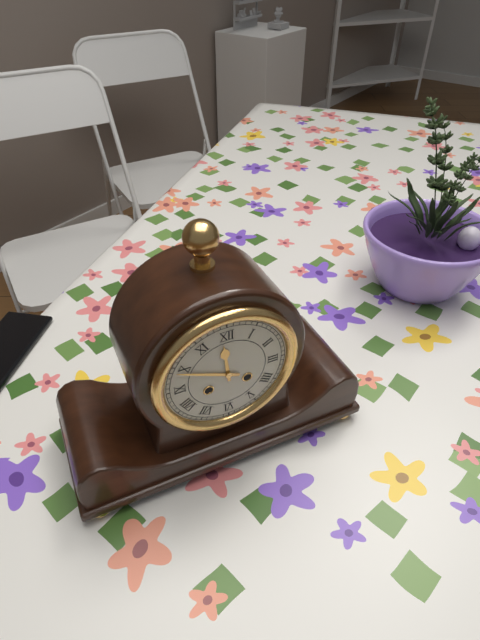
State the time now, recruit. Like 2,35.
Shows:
11,49
